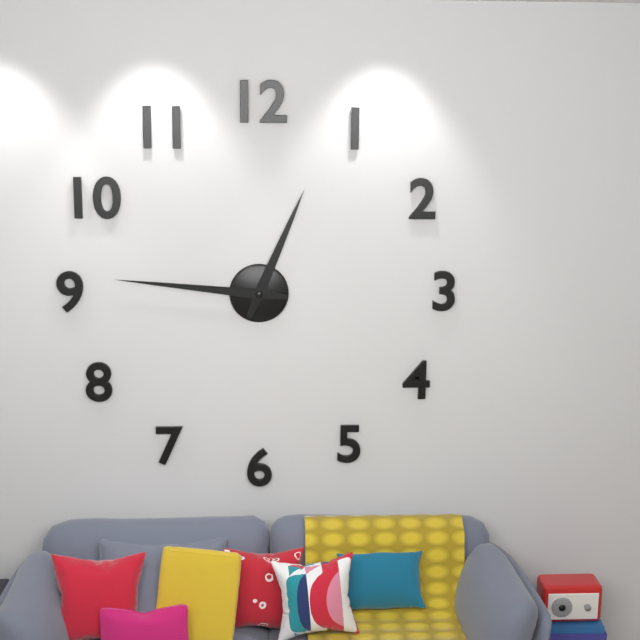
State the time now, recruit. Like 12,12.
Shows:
12,46
